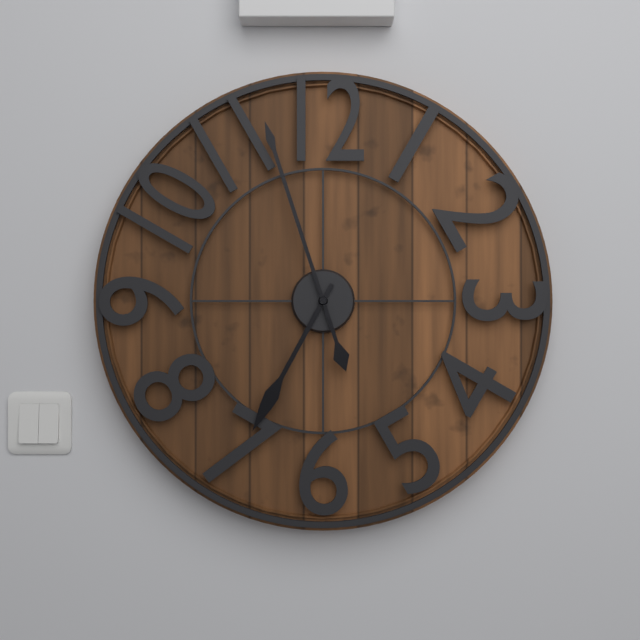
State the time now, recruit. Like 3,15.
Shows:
6,57
